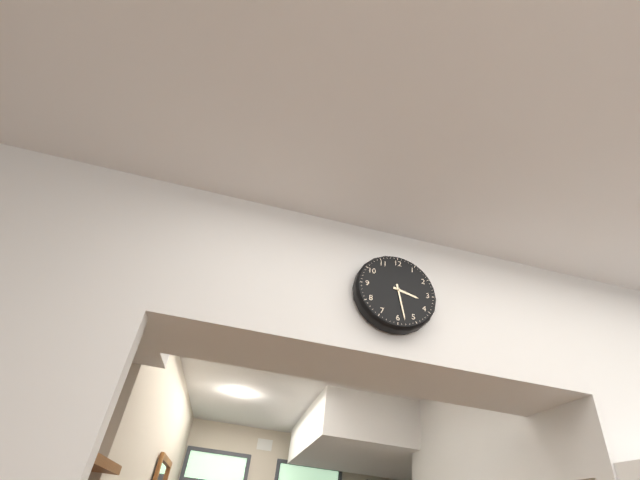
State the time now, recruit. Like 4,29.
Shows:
3,28
